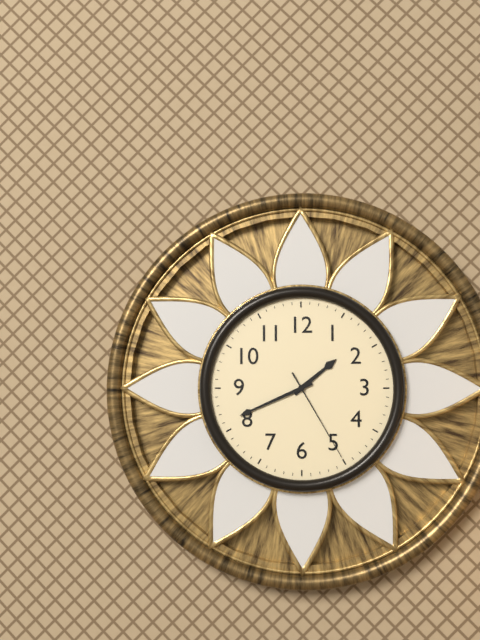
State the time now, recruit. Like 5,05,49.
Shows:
1,41,25
